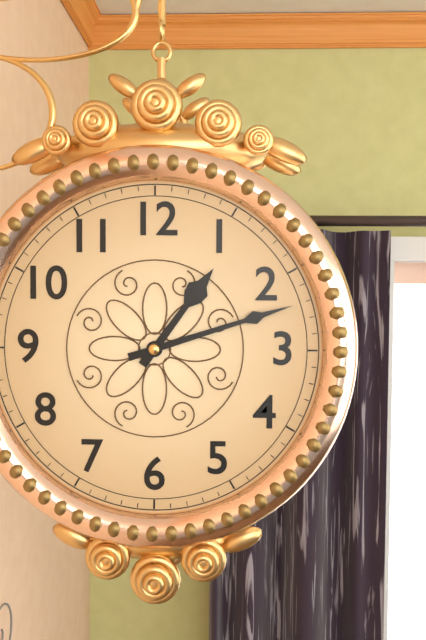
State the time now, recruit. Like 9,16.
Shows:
1,12
